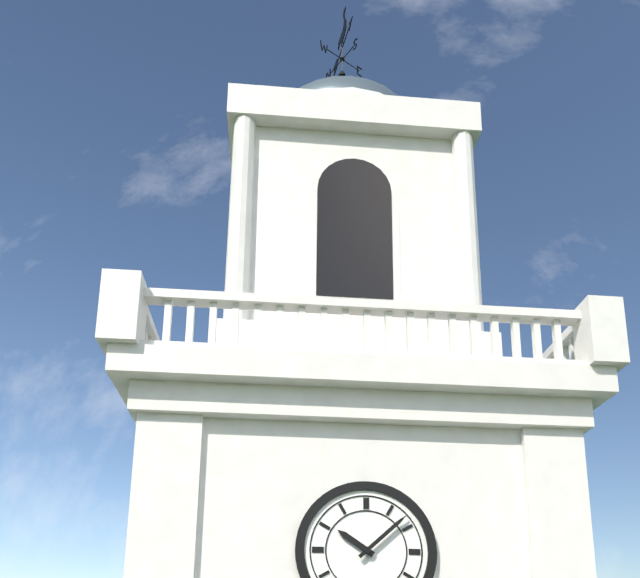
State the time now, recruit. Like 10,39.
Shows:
10,08
